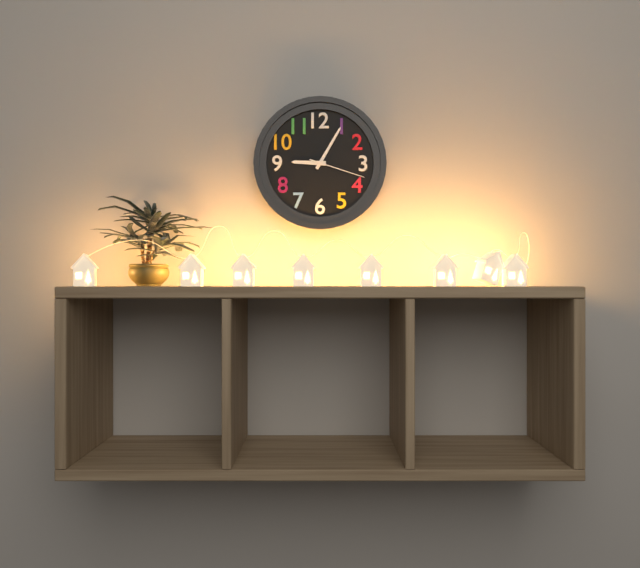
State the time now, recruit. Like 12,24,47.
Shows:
9,05,18
